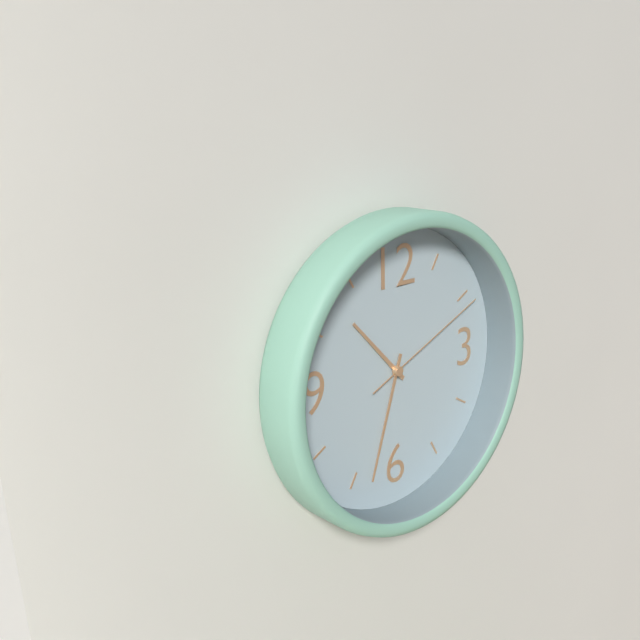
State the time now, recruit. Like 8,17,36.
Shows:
10,33,11
